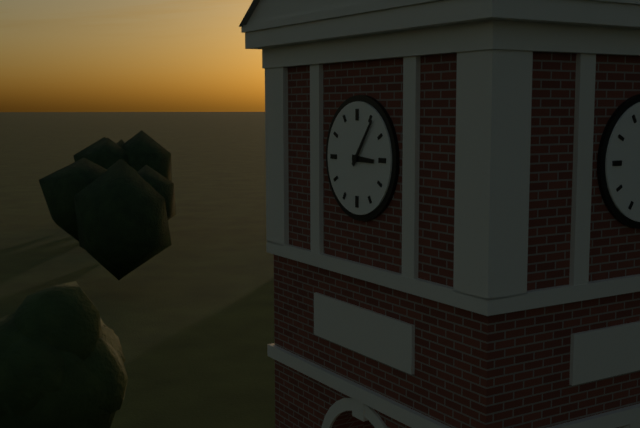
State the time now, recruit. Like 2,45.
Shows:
3,06
